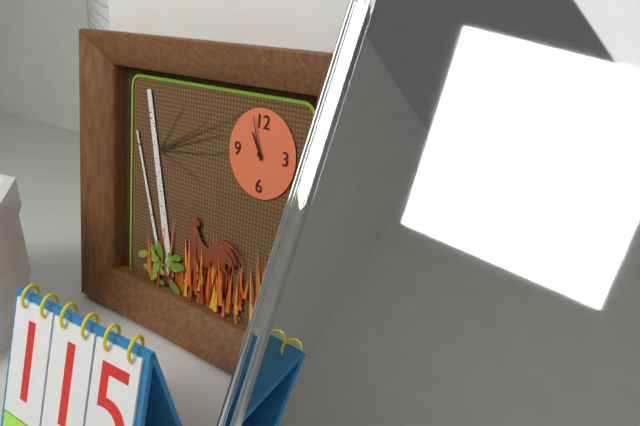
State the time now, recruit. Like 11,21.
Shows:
10,57
